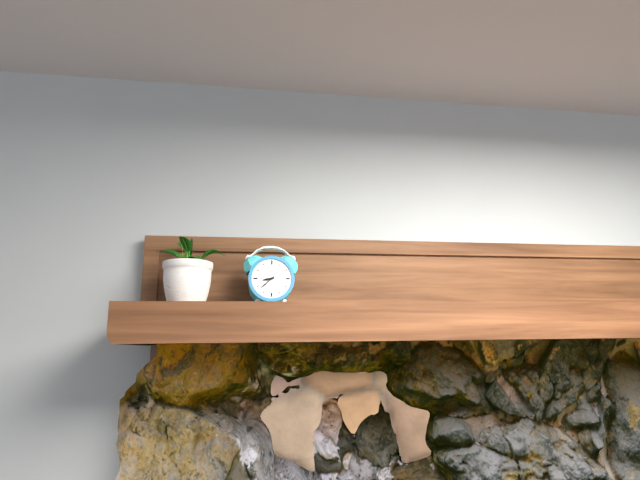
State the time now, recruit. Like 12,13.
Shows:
8,38
